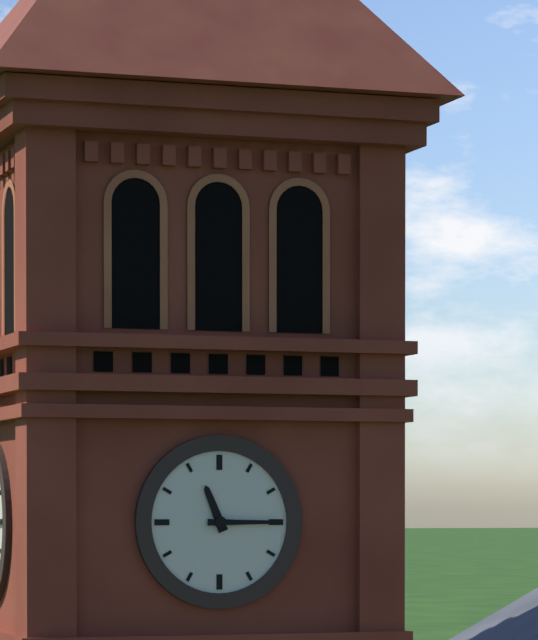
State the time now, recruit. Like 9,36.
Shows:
11,15
